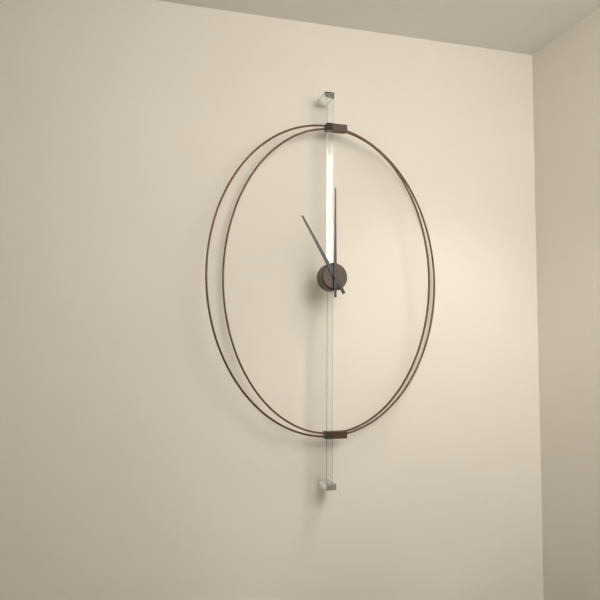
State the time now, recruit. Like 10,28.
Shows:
11,00
